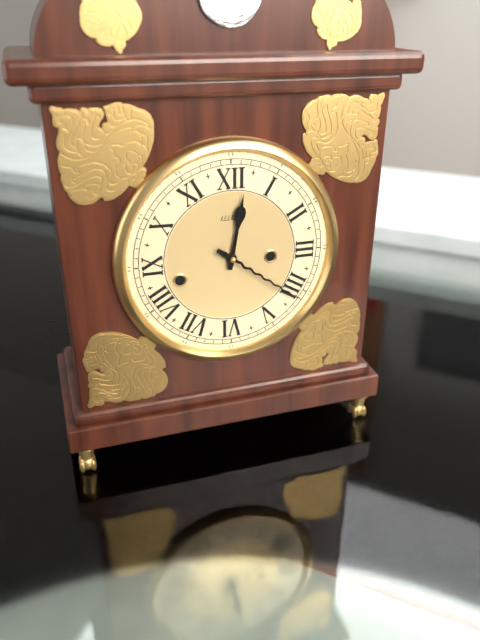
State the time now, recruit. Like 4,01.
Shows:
12,21
